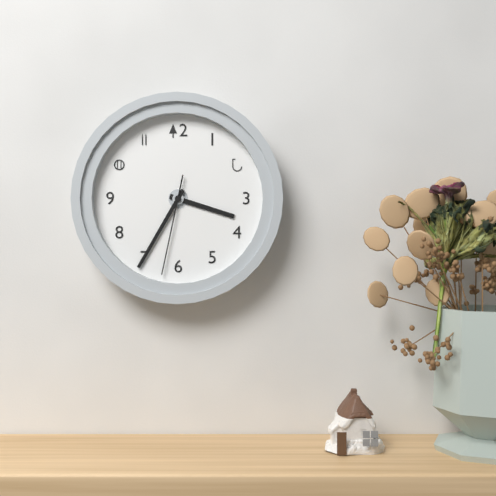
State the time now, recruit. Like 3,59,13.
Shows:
3,35,32
